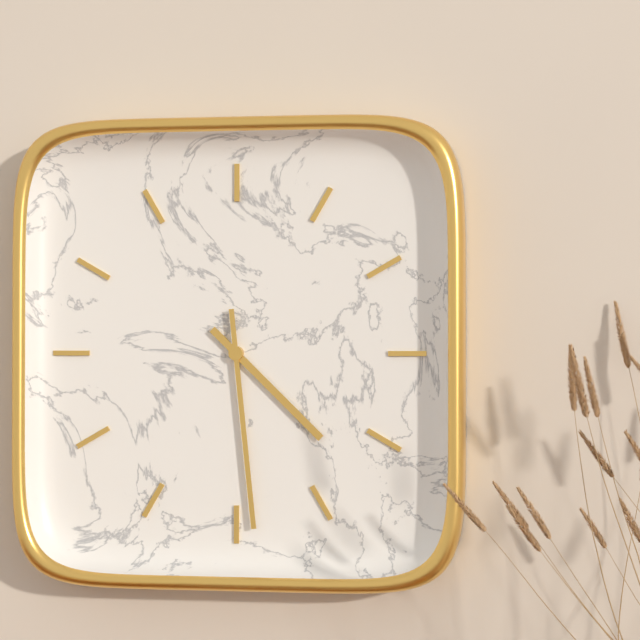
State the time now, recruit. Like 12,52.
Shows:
4,29
